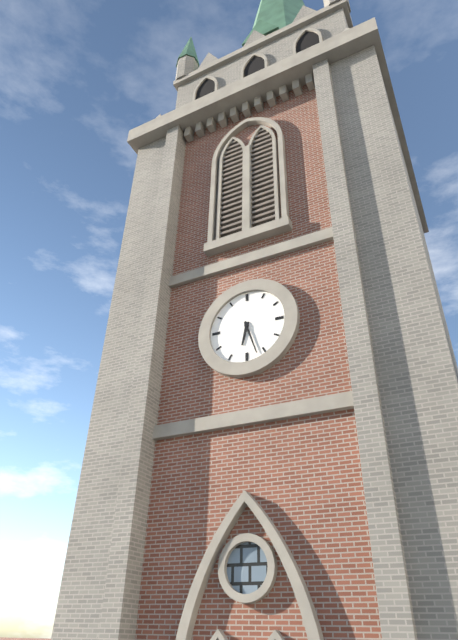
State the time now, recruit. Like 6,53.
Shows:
6,27
